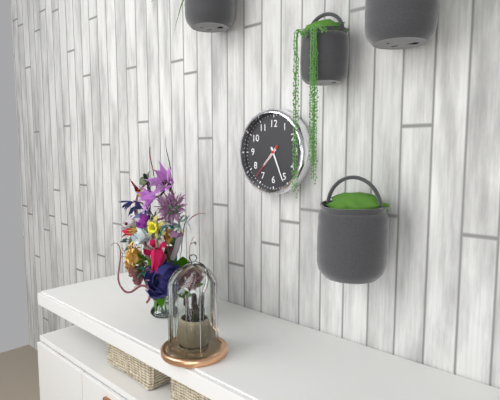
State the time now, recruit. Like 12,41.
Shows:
7,26
